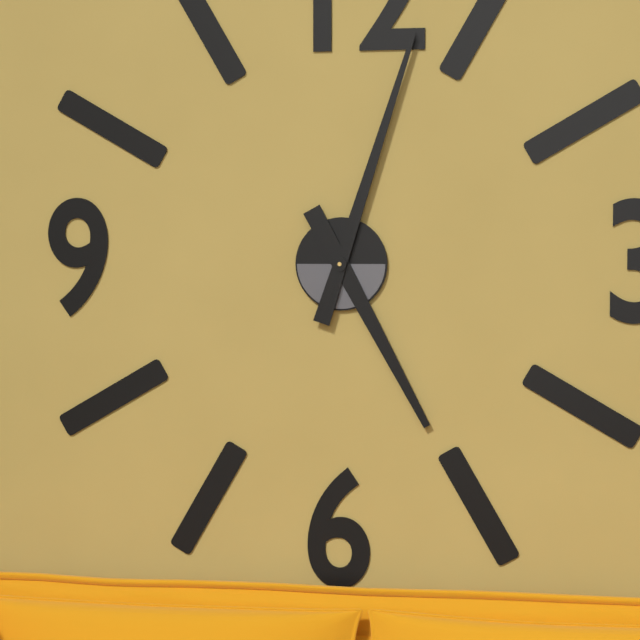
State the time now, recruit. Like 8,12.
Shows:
5,03
